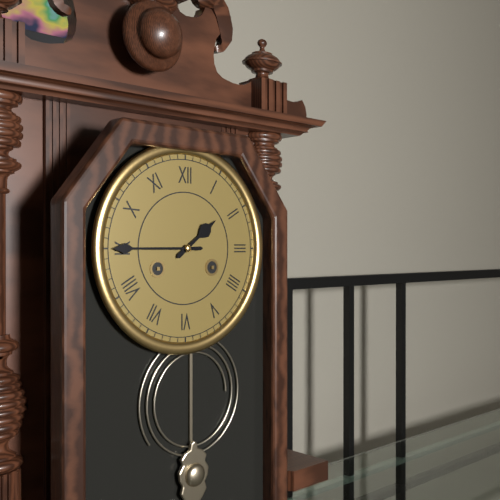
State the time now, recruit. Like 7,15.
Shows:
1,45
